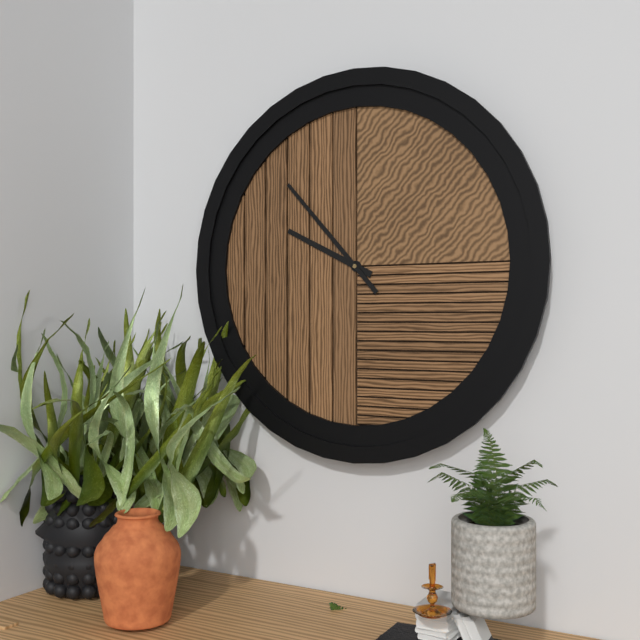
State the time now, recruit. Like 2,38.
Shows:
9,53
